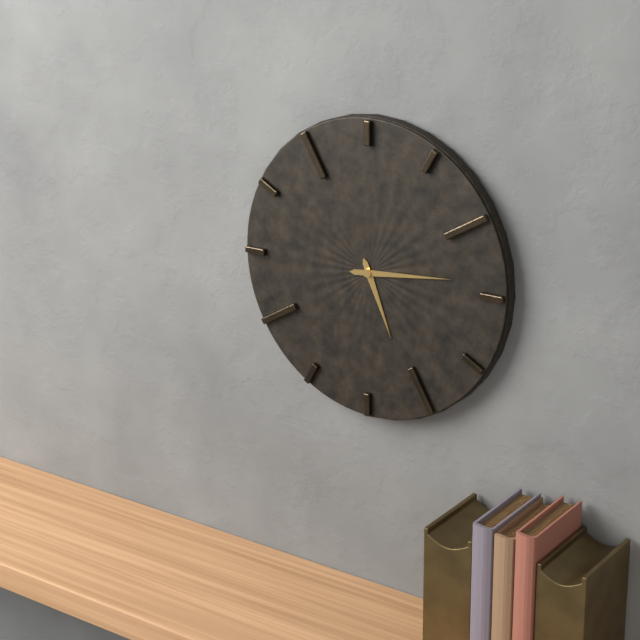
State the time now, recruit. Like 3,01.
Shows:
5,14
